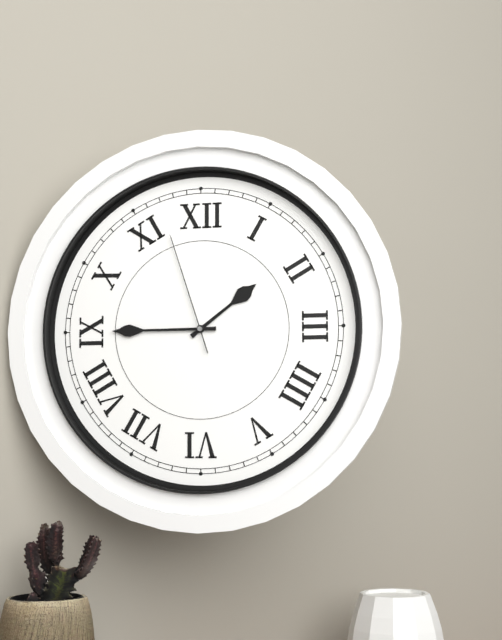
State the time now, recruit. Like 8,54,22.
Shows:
1,45,57
